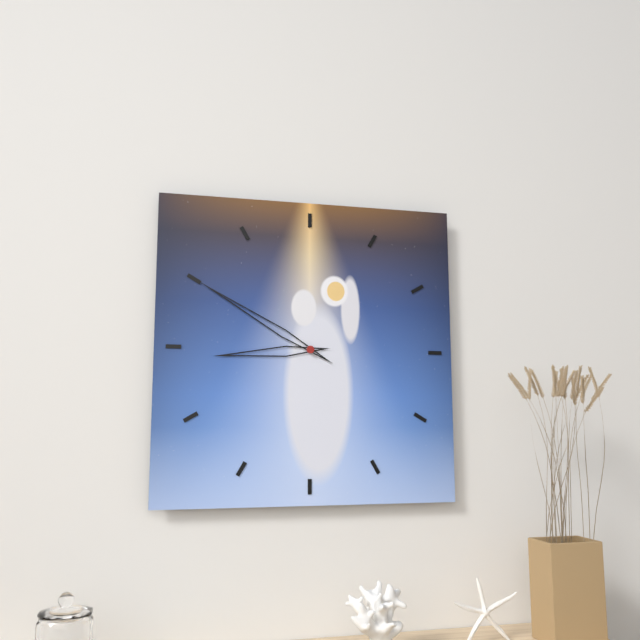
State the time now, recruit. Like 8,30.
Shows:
8,50
